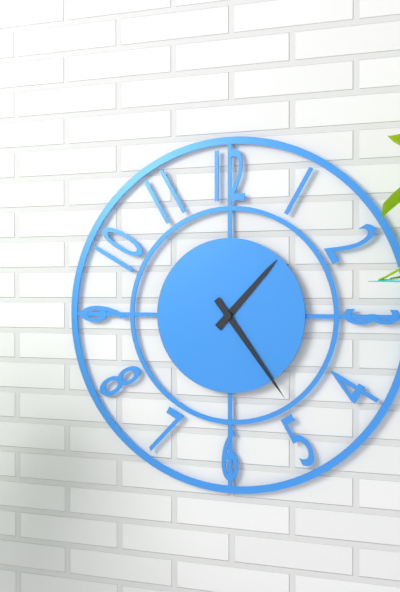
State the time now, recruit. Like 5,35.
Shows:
1,24
